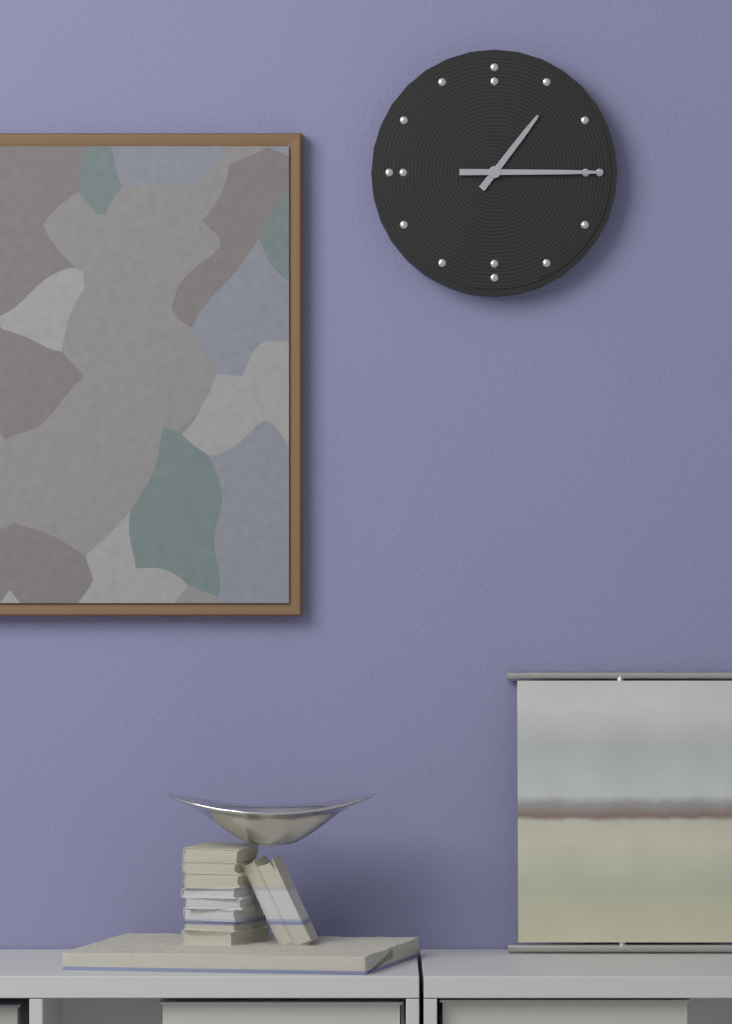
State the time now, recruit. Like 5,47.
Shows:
1,15
